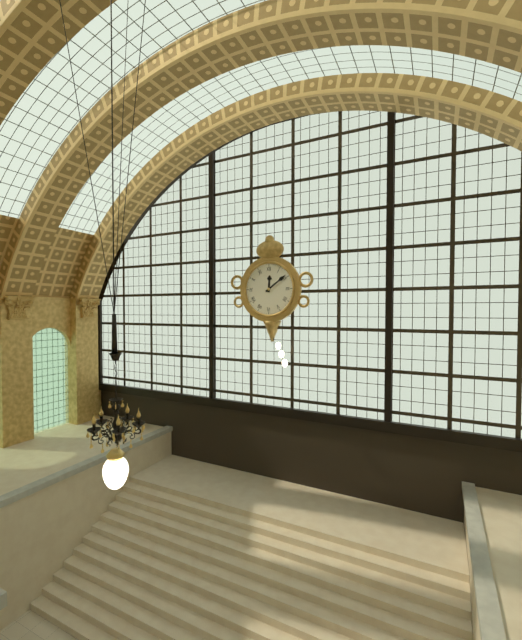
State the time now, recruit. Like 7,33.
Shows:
12,09
